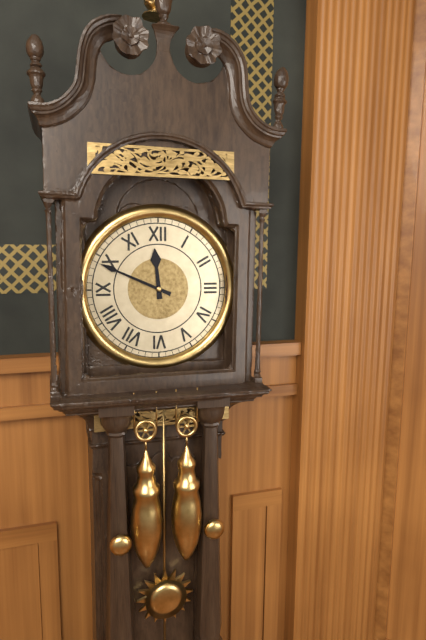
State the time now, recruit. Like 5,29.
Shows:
11,49
